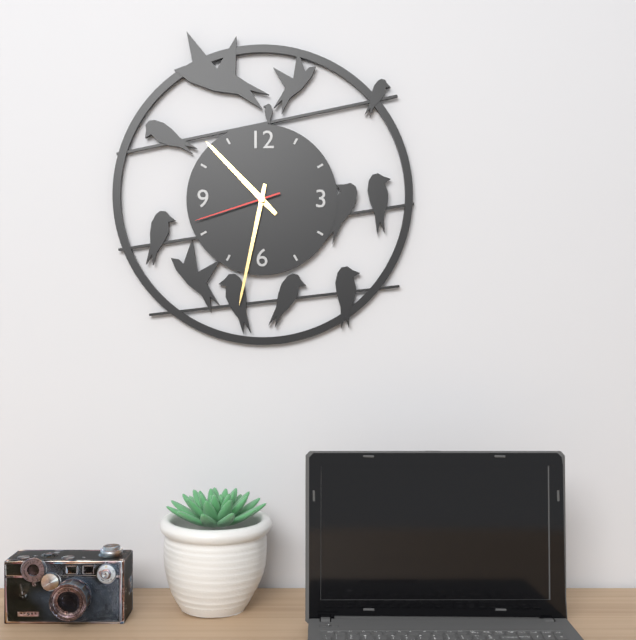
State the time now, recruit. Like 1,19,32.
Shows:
10,32,42
